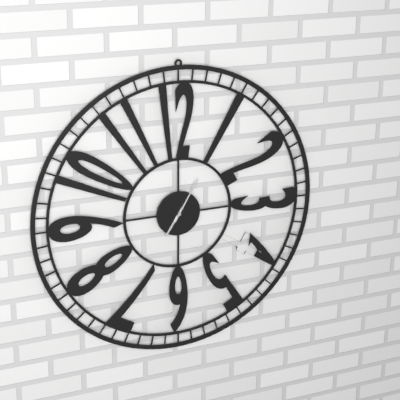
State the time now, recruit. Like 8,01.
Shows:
7,05
